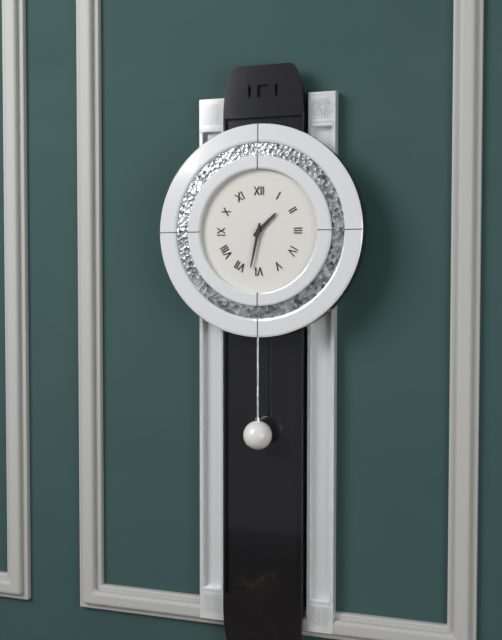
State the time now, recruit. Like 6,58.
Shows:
1,32
